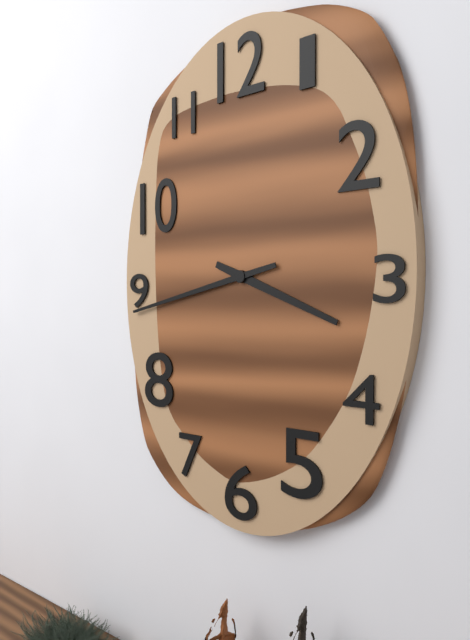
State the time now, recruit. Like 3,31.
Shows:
3,43
